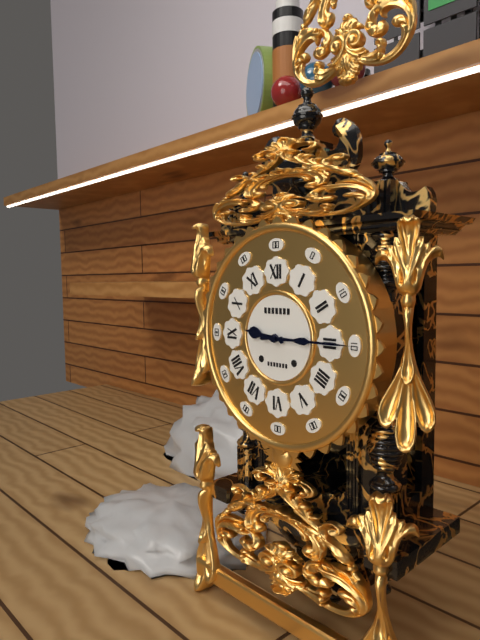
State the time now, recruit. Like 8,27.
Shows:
9,15
